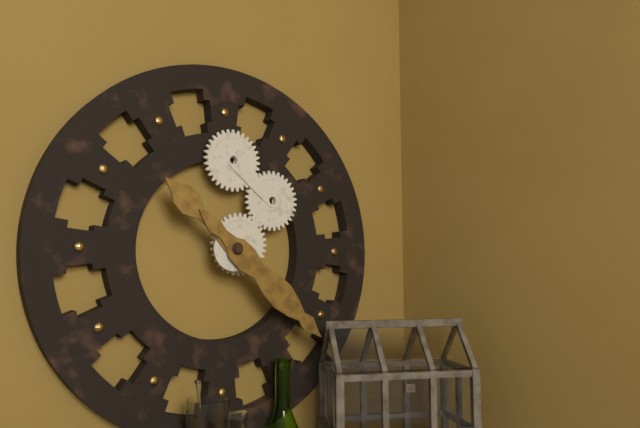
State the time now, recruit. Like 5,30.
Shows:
10,22
